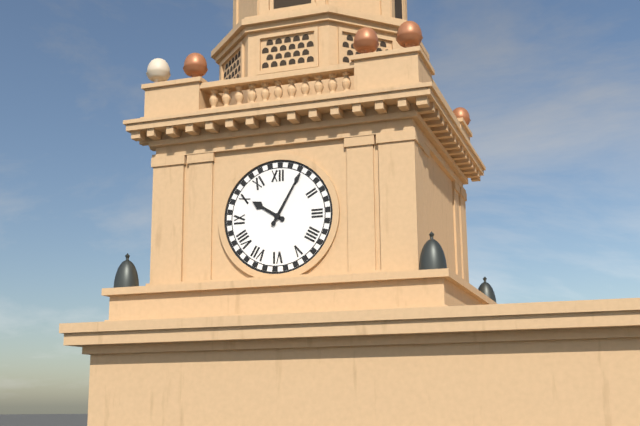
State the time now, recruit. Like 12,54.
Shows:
10,05
